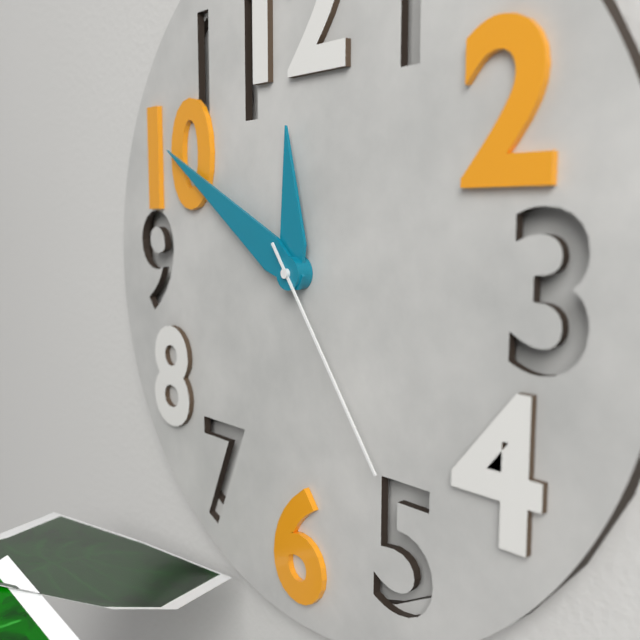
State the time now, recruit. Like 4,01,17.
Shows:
11,50,24
